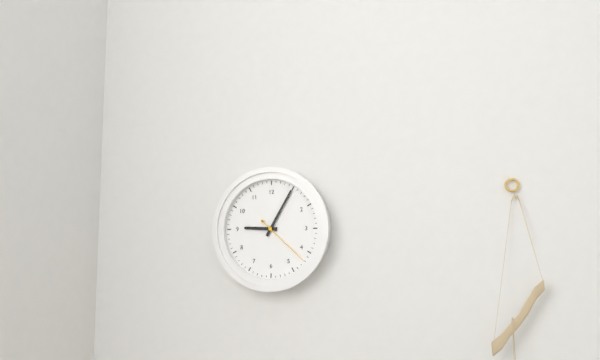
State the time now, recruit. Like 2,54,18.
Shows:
9,05,22
